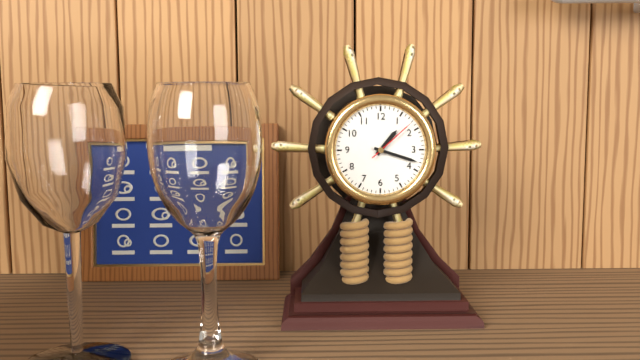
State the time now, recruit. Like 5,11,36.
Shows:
1,18,08
